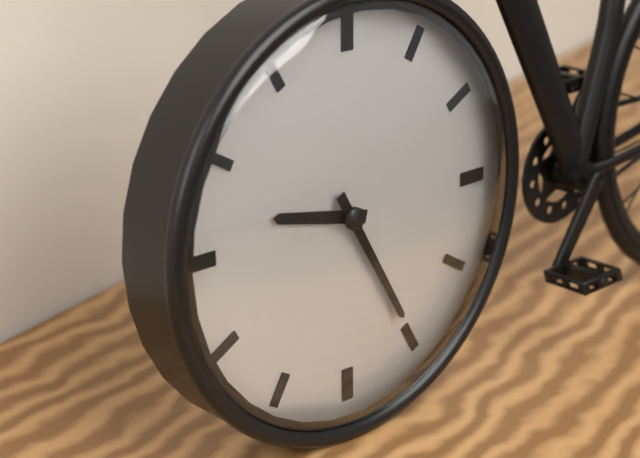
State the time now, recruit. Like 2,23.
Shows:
9,25
